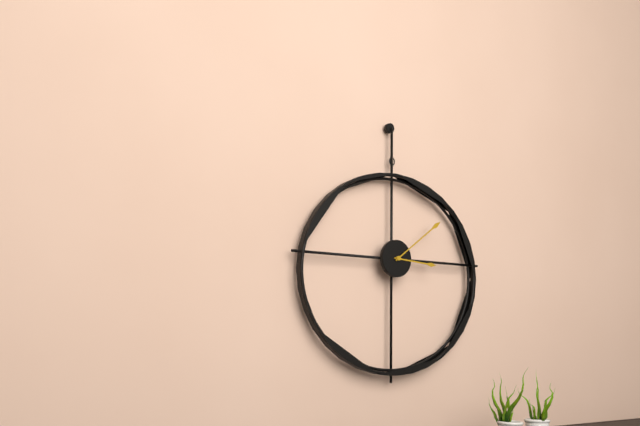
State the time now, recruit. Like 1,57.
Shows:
3,09
